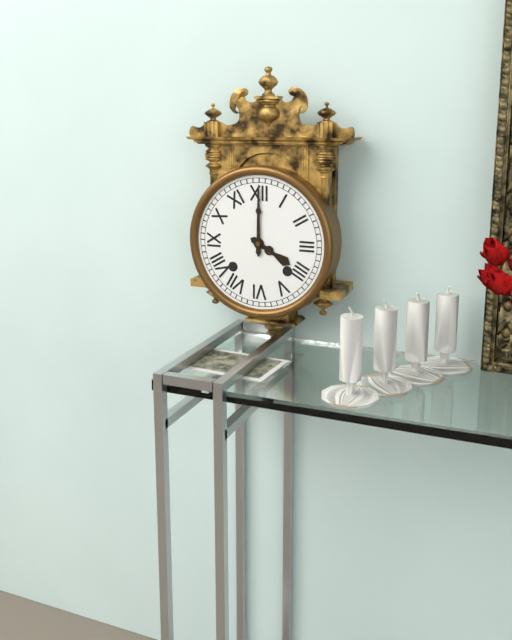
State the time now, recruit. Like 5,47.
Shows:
4,00
